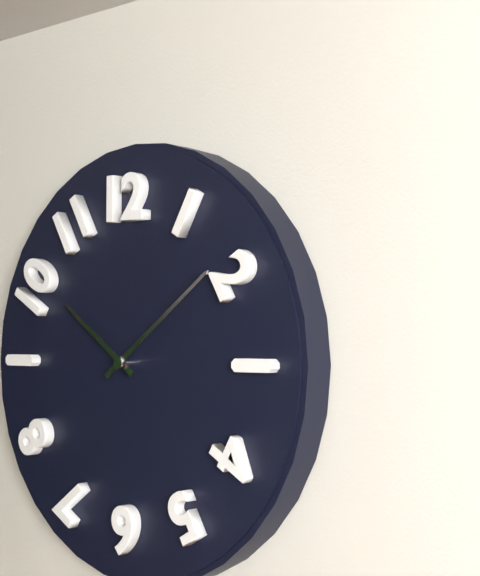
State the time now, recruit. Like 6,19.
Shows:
10,09
